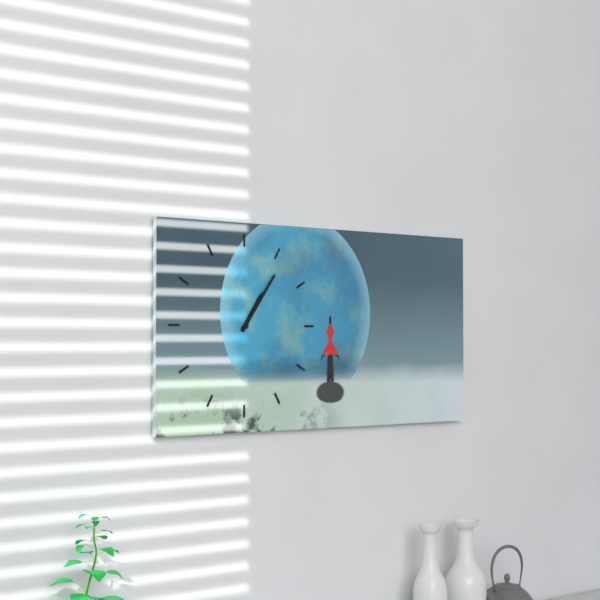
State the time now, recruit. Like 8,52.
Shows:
1,06
